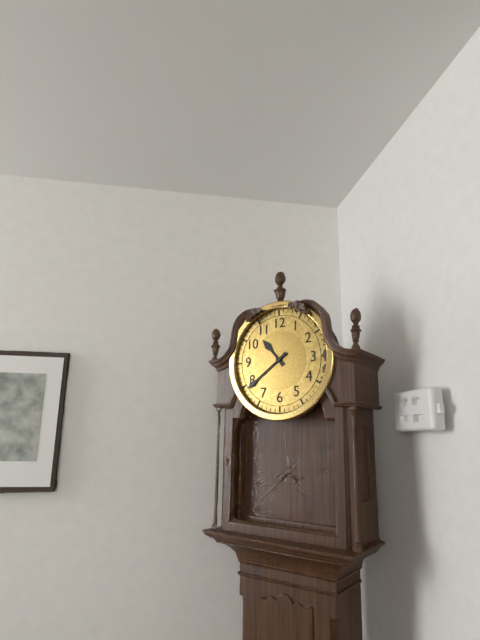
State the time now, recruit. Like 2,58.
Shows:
10,39
